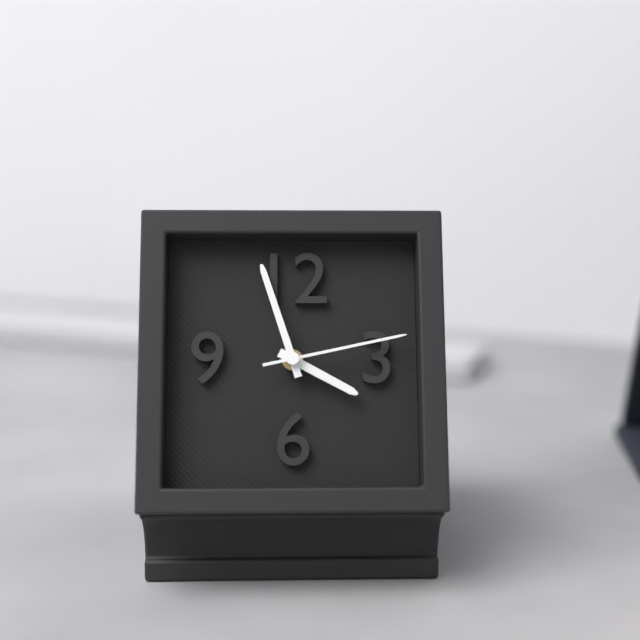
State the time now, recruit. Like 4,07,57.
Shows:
3,57,13
